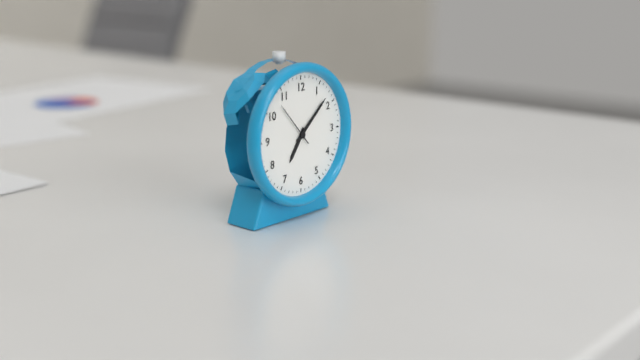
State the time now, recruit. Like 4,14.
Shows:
7,08
